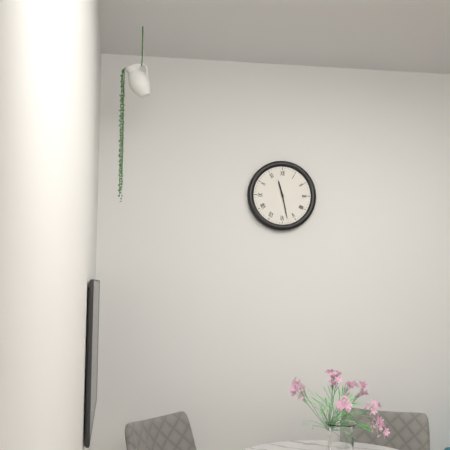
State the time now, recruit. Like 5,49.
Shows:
11,28
